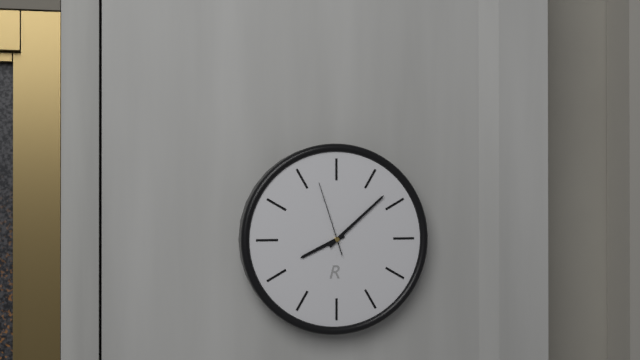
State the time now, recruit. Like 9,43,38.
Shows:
8,08,57
